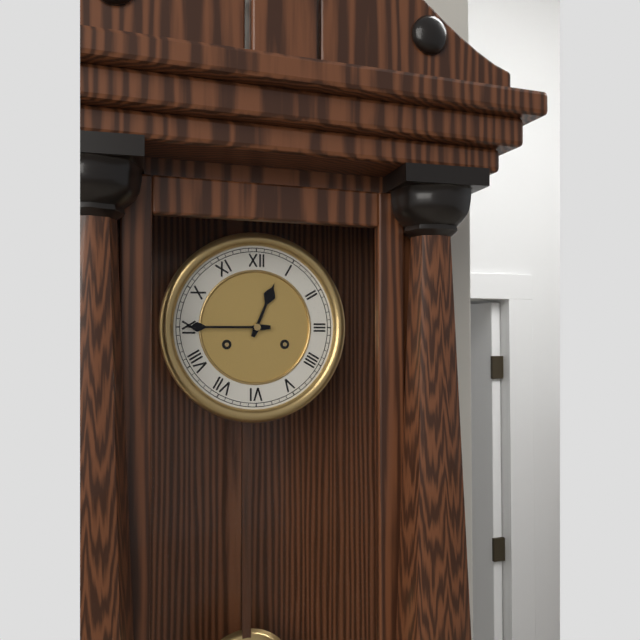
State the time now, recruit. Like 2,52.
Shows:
12,45
